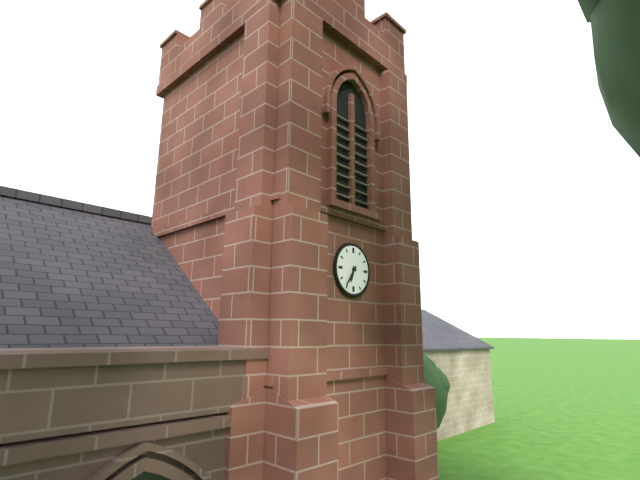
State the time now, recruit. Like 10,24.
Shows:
6,36
